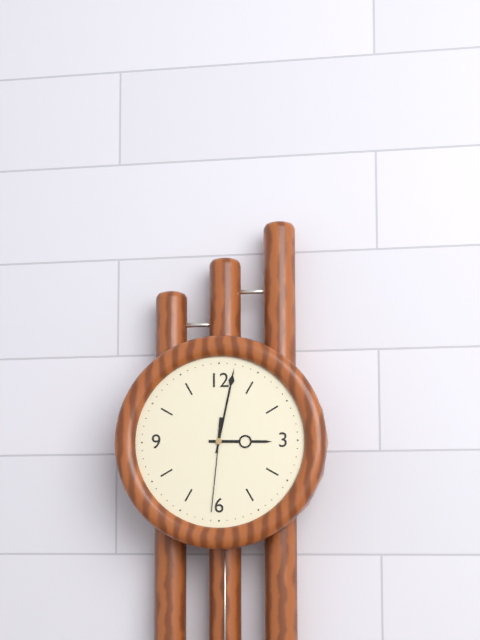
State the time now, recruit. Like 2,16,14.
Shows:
3,02,31
